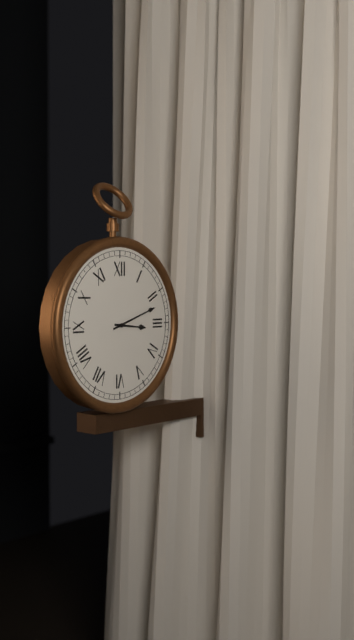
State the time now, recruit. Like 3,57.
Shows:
3,12
